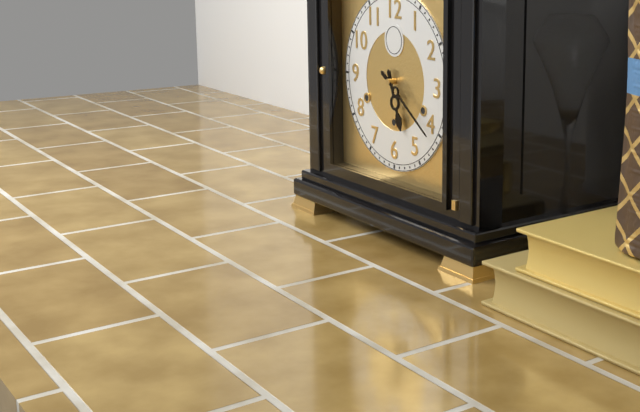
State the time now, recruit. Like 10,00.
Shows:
5,21
